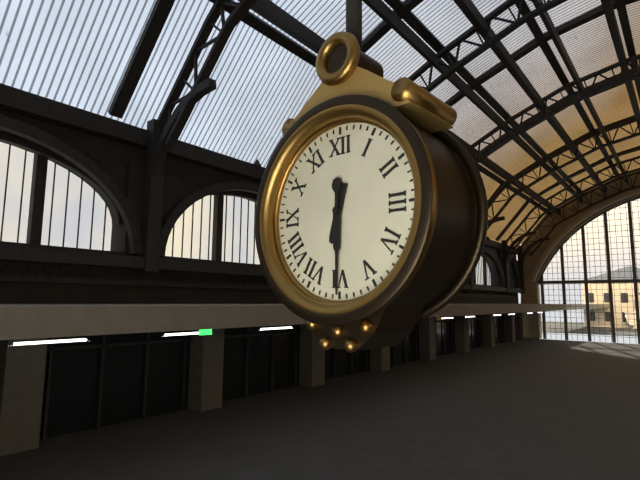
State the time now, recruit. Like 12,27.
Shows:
6,30
